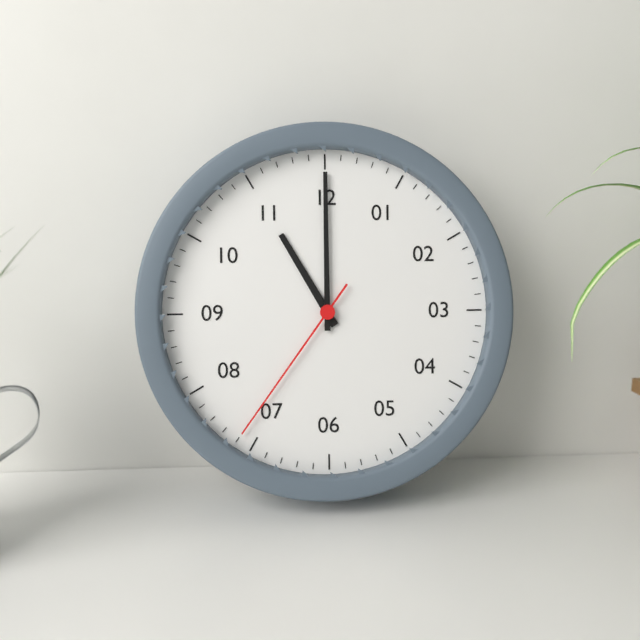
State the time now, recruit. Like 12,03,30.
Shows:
11,00,36
